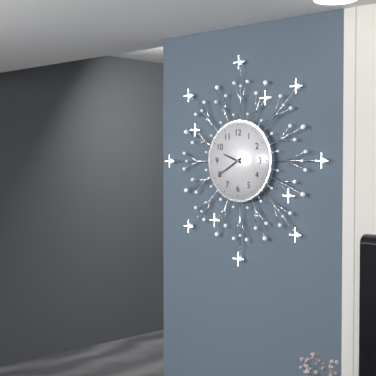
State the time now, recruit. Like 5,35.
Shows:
9,40
